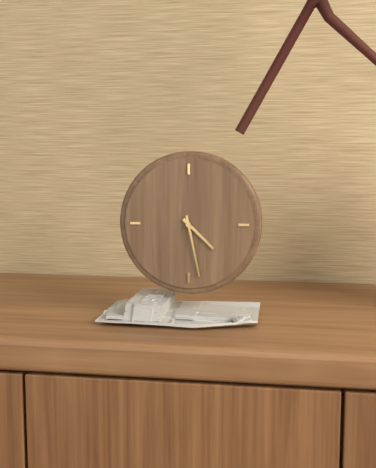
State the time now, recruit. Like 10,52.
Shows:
4,28
